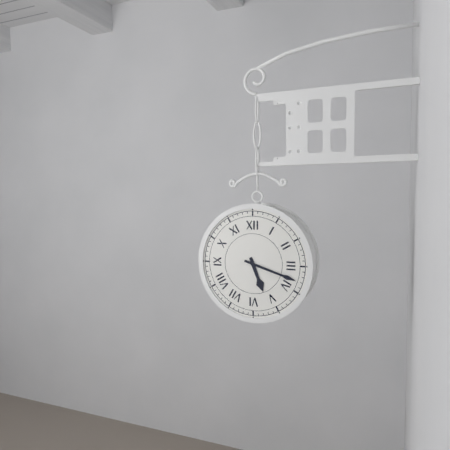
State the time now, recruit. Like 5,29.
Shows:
5,18
